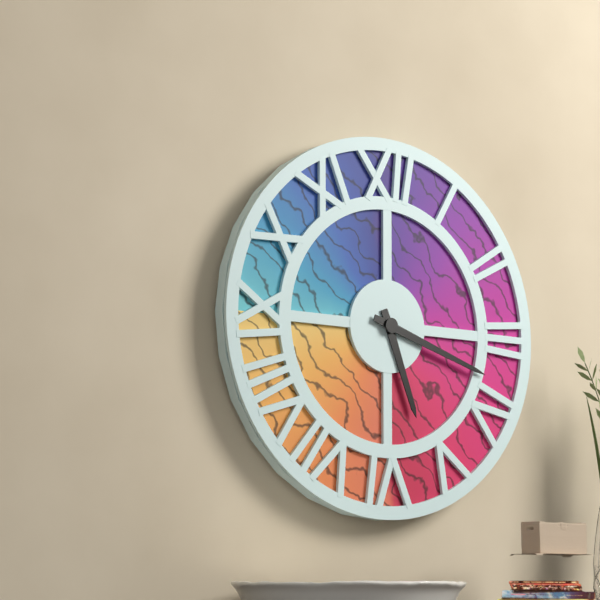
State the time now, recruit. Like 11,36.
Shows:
5,18
